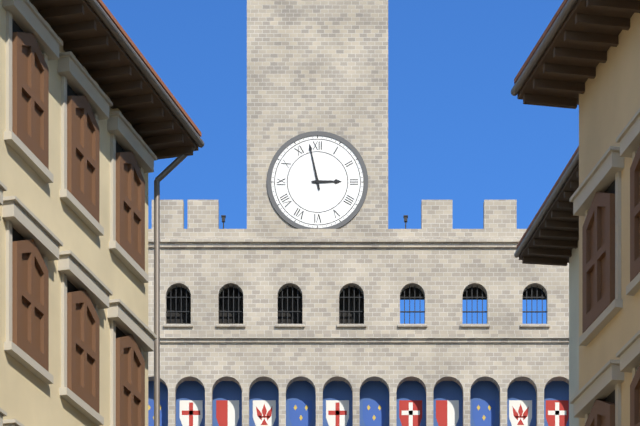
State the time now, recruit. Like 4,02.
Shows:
2,58
